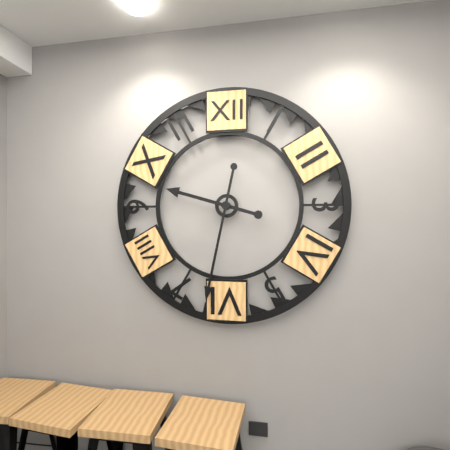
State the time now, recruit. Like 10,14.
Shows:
9,32
